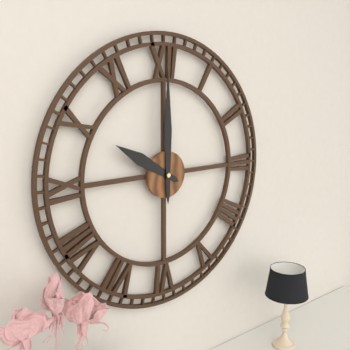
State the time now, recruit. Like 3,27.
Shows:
10,00
